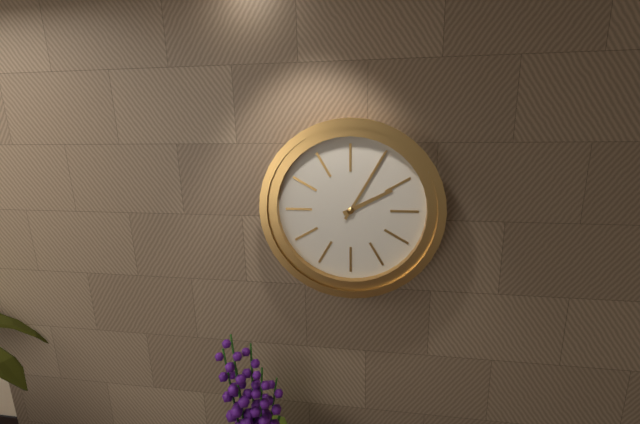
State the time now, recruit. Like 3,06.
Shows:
2,05
